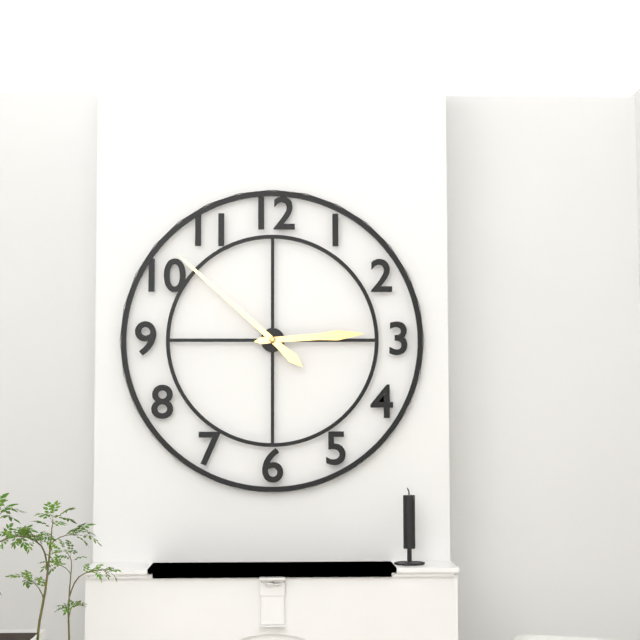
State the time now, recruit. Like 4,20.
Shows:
2,52
